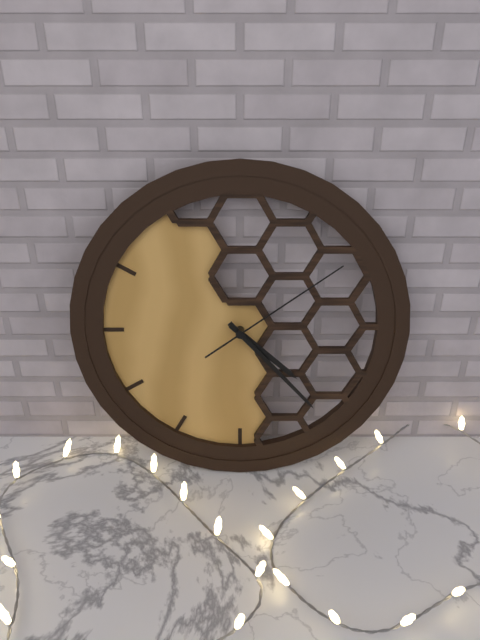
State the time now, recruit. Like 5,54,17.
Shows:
4,23,09
